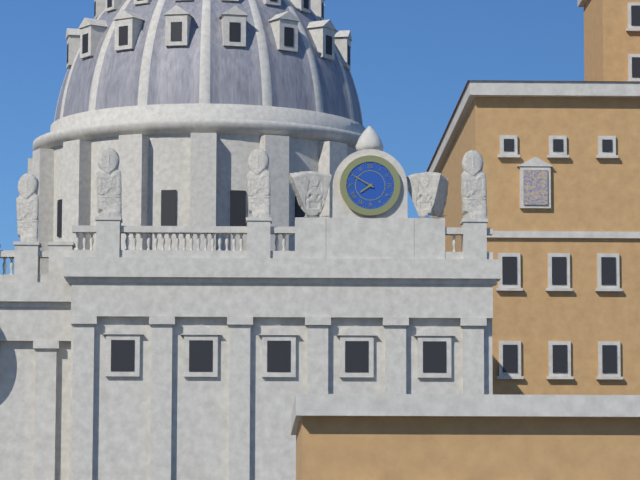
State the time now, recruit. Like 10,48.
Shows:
7,50
